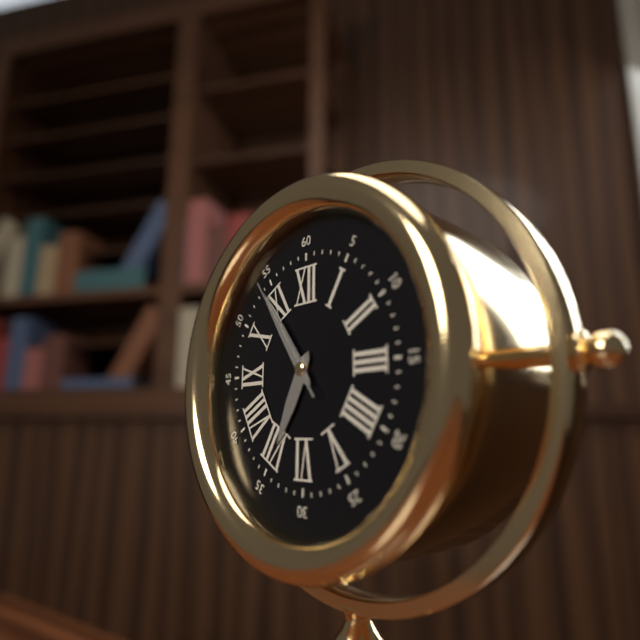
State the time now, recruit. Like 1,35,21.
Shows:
6,54,54
